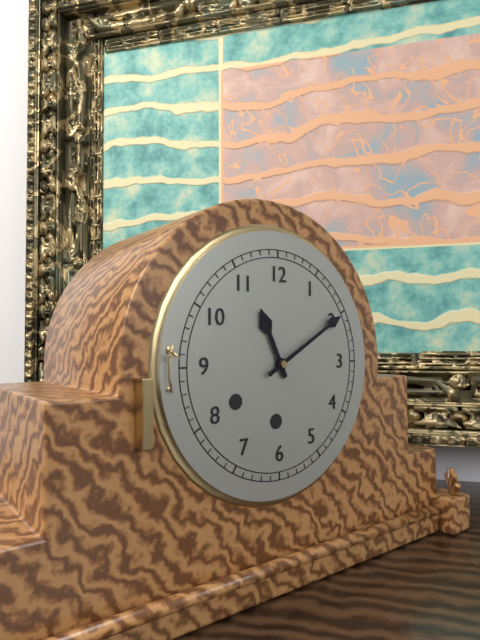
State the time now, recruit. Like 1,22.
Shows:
11,10
